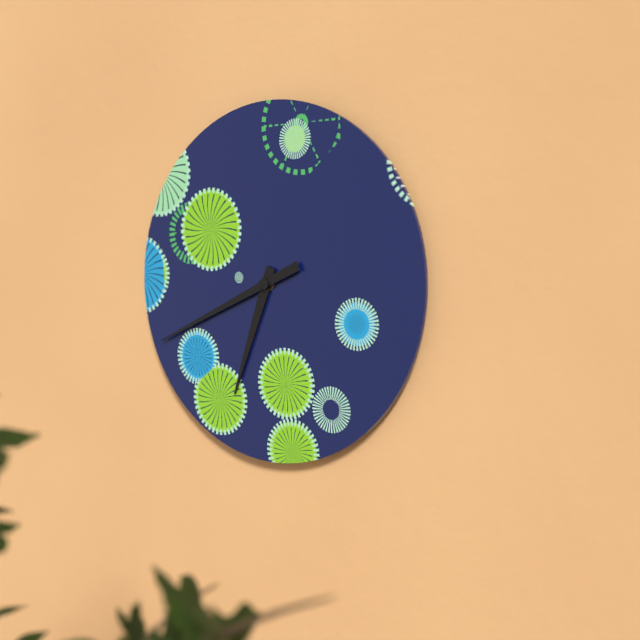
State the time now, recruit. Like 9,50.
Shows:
6,41
